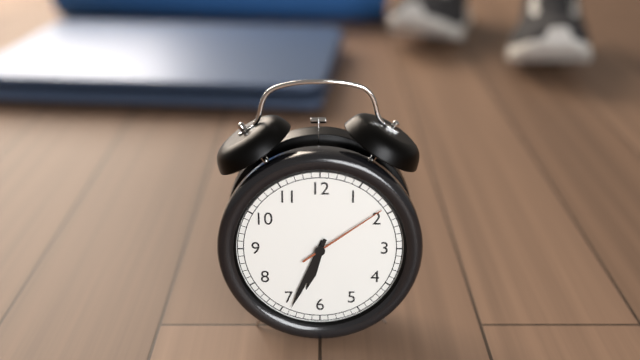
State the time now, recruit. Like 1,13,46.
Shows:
6,34,09
